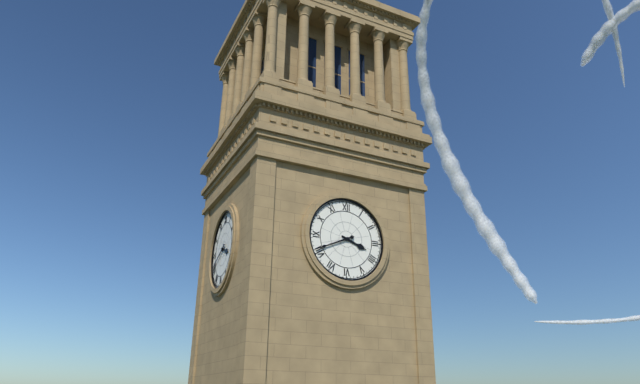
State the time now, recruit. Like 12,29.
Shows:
3,41
